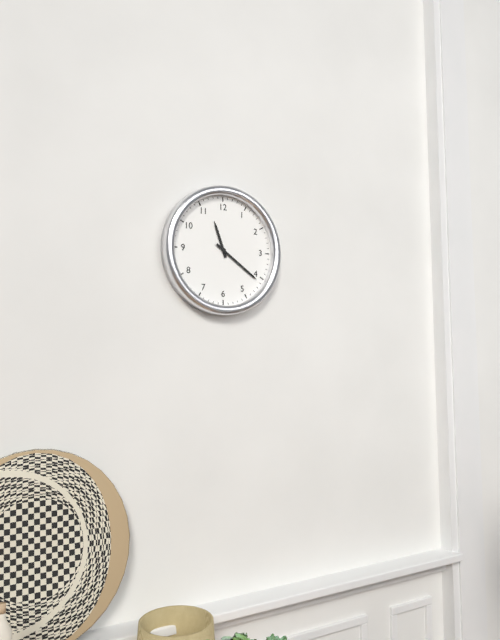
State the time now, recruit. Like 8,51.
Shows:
11,21
